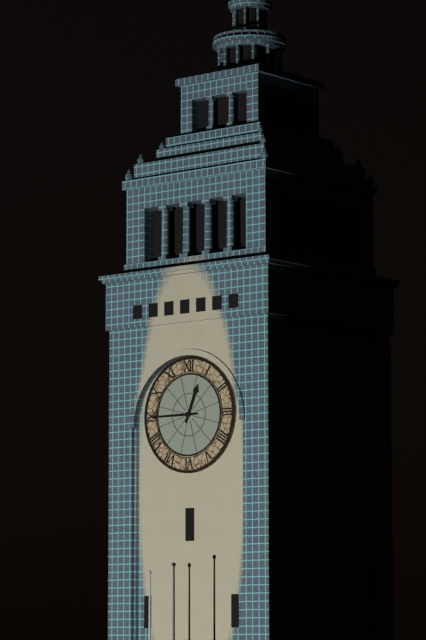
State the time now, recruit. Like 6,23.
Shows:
12,45
